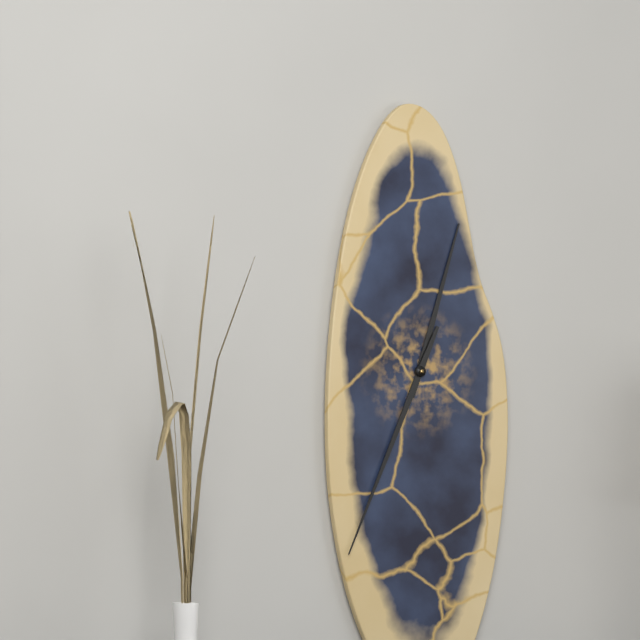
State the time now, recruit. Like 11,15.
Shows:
12,34
